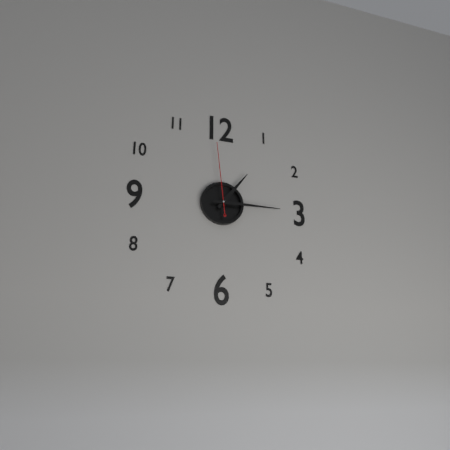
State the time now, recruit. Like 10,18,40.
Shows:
1,15,59
